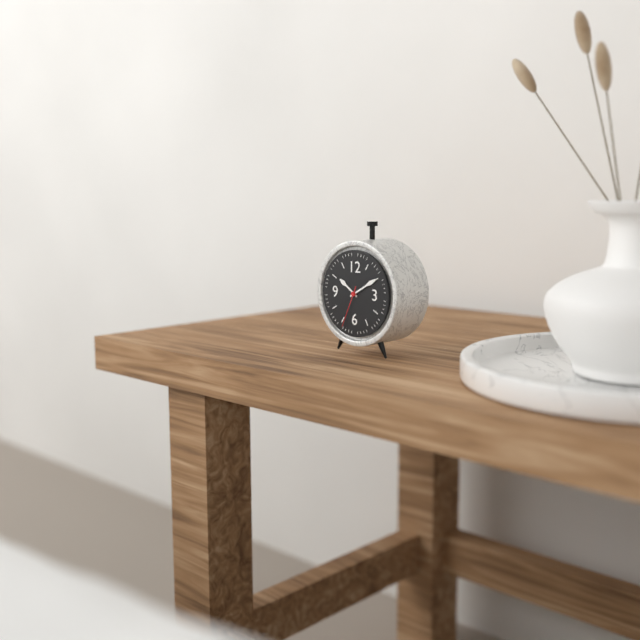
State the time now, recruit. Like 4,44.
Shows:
10,10
